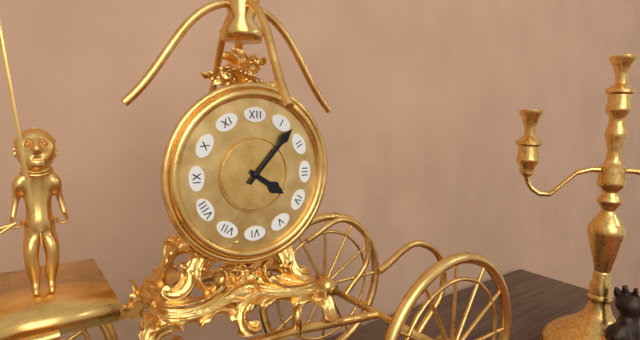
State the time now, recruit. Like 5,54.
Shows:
4,07
